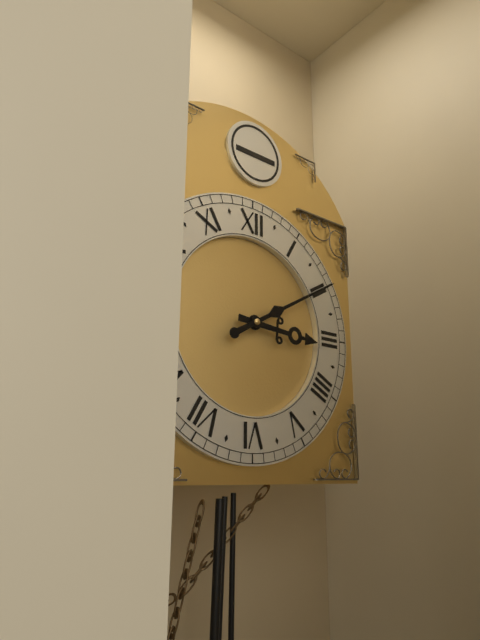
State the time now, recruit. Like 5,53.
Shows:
3,10
